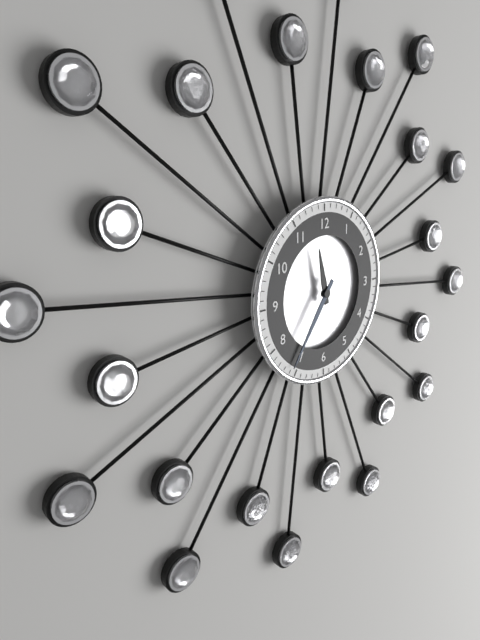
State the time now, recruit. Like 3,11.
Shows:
11,36
